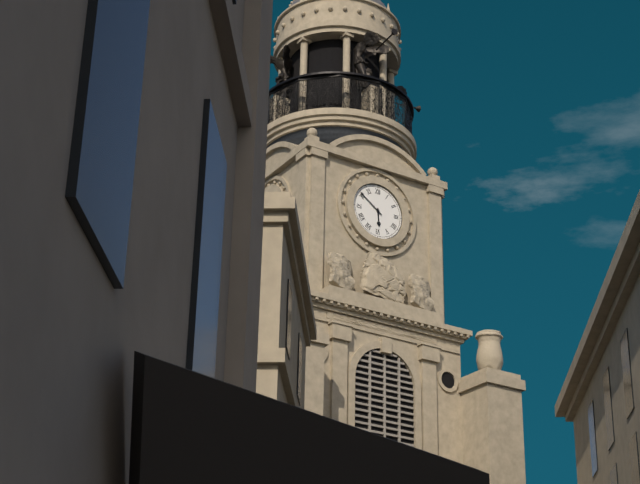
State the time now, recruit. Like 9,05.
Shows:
5,51
